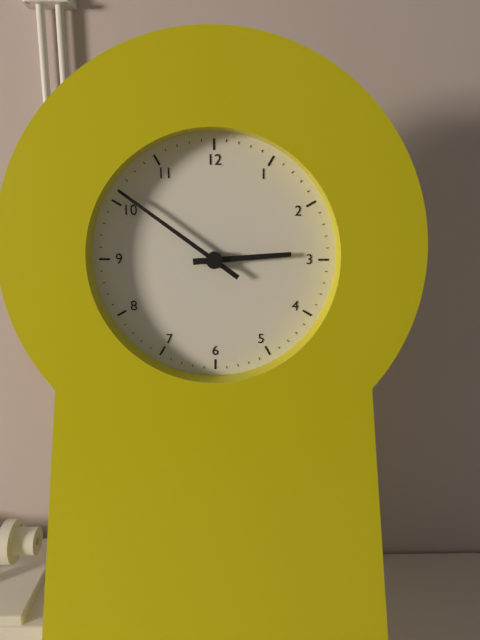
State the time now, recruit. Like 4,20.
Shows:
2,51
